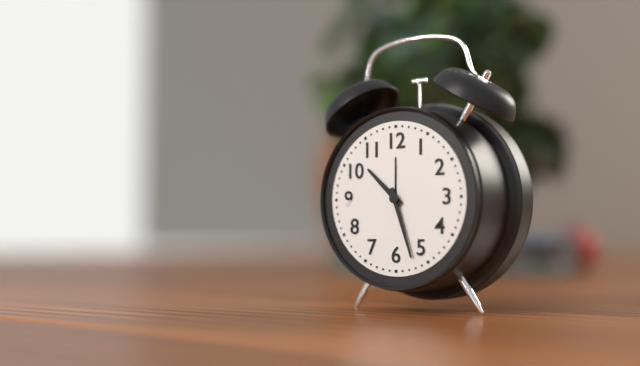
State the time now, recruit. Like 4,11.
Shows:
10,27
